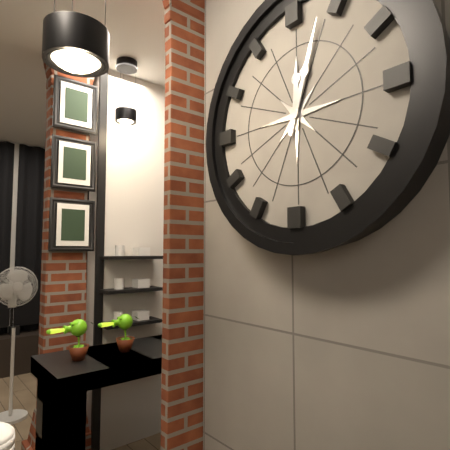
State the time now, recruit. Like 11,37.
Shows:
12,03
